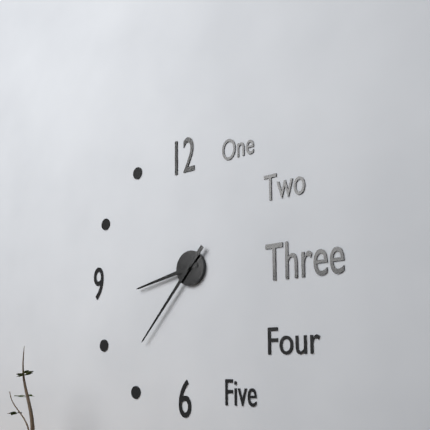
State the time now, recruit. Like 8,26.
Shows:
8,37
